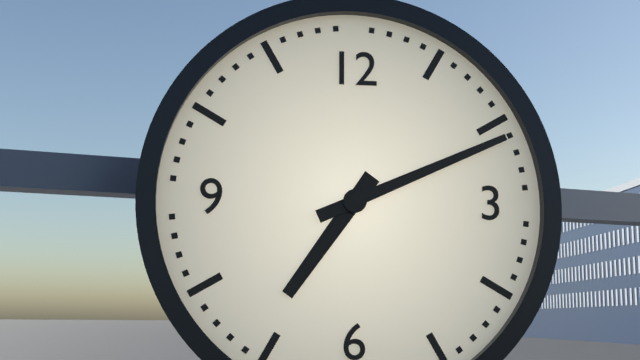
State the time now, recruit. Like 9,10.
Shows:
7,11
